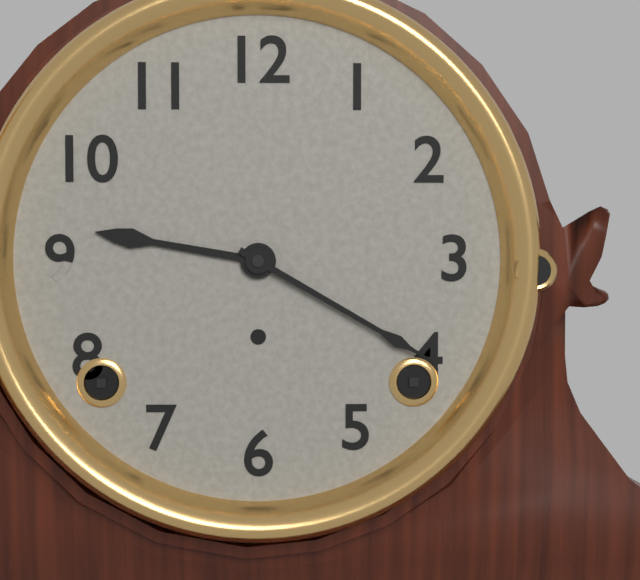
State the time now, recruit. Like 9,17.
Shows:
9,20
